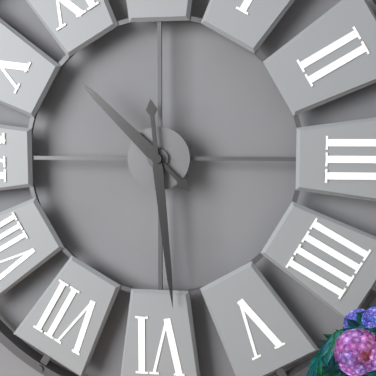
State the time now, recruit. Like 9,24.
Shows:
10,29
